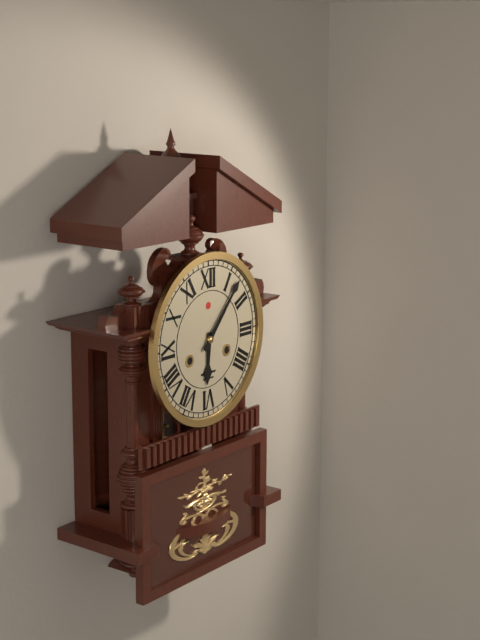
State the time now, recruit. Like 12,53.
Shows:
6,07
